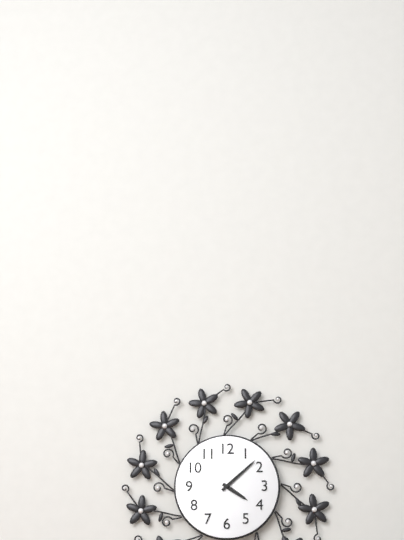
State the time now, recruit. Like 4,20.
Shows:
4,08
